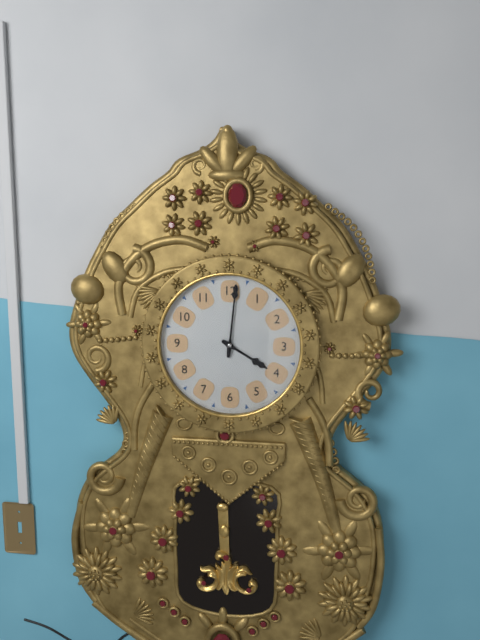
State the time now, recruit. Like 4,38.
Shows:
4,01
